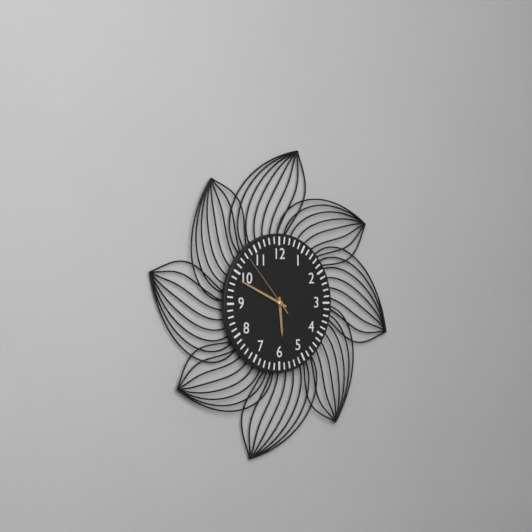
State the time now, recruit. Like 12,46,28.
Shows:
5,49,53
